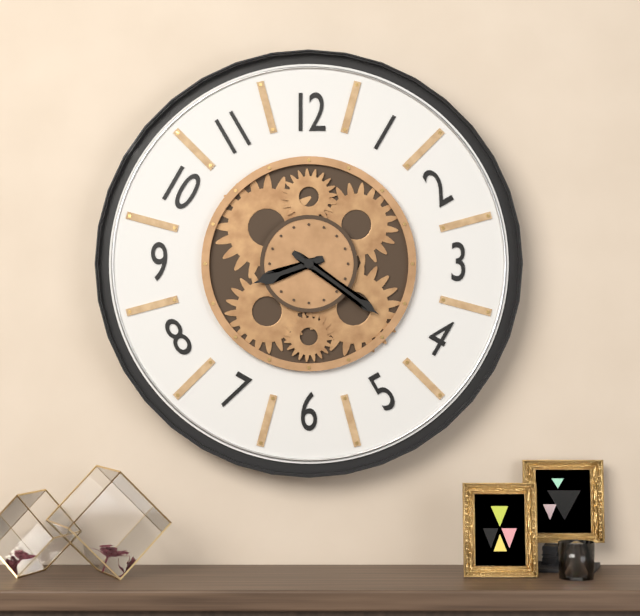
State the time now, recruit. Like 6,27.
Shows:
8,21
